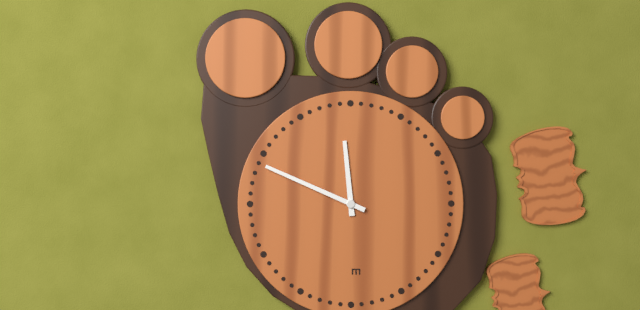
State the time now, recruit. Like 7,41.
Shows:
11,49
